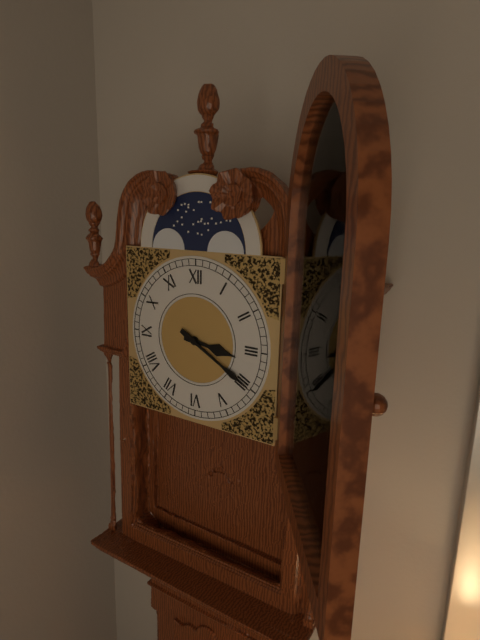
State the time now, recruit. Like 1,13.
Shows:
3,20
